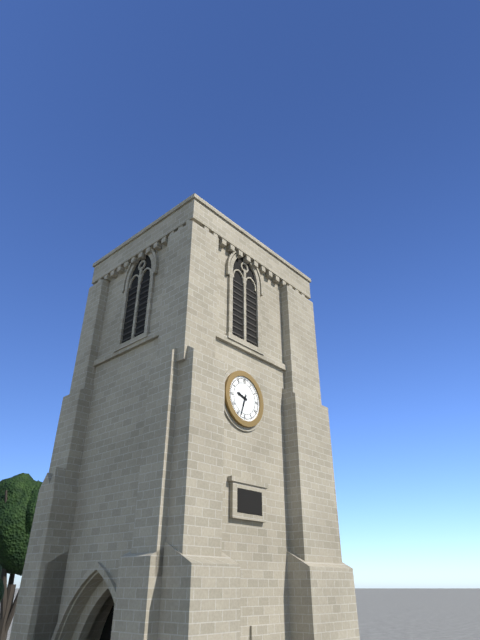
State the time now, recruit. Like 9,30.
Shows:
9,33
